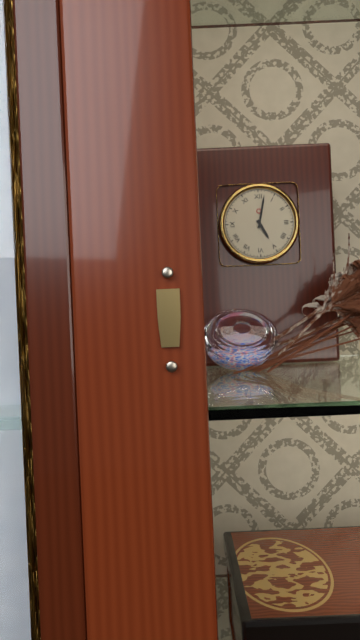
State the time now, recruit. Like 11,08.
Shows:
5,02
